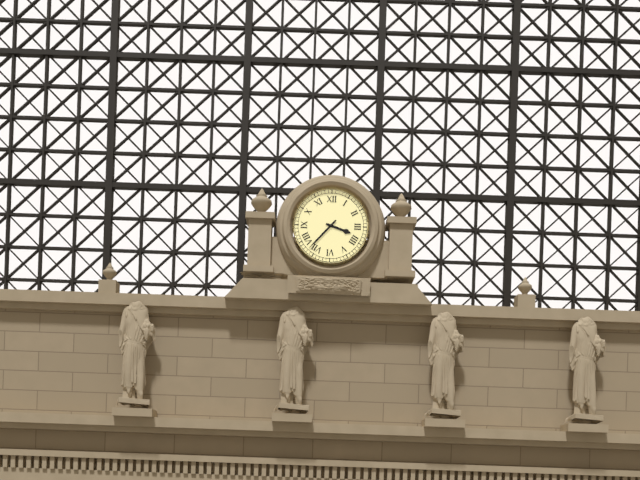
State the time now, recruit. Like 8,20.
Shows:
3,37
